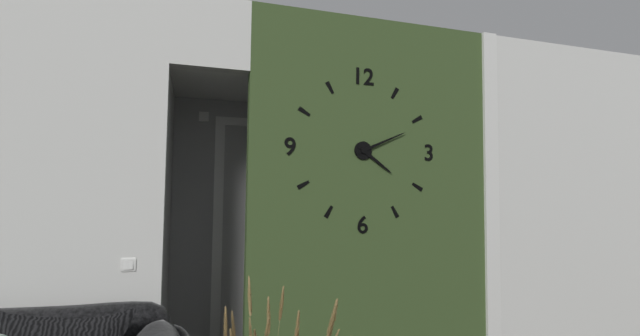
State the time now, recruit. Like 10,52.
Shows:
4,11
